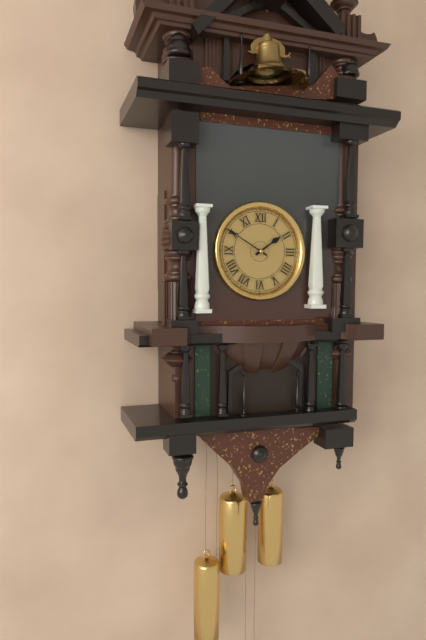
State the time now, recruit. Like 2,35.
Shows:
1,50
